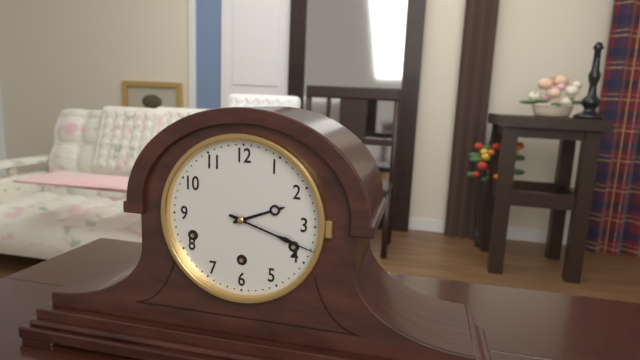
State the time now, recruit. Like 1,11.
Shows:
2,18
